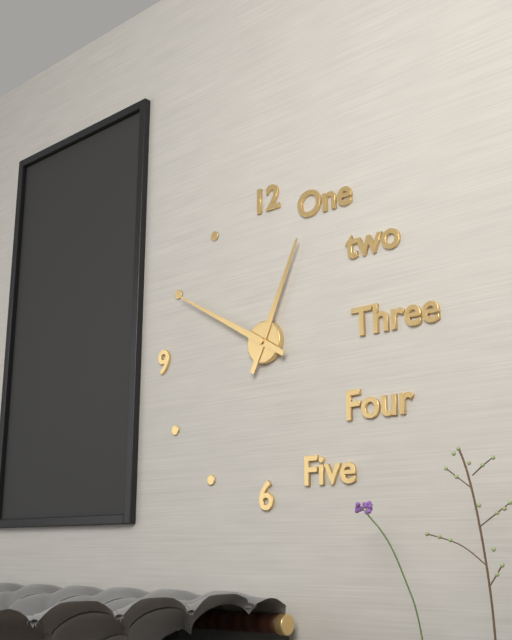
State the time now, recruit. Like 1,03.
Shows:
12,50
